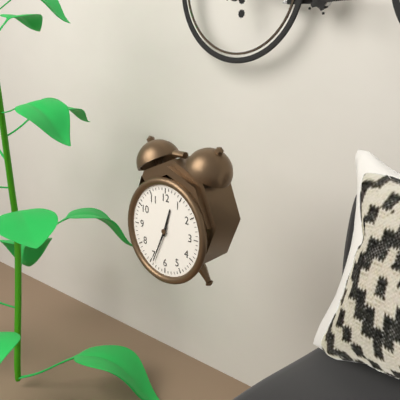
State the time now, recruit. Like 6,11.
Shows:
12,34
